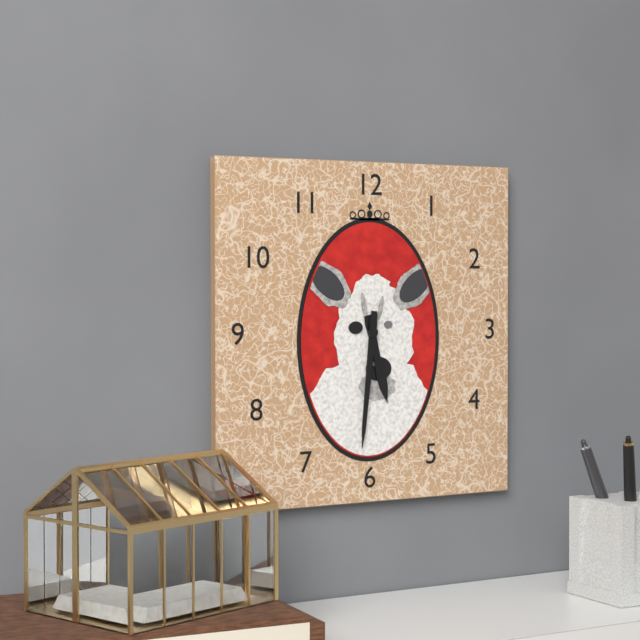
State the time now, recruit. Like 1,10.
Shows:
5,31
